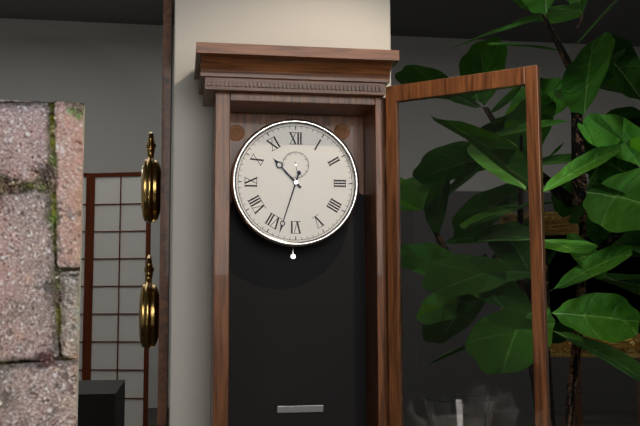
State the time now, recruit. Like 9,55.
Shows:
10,33
